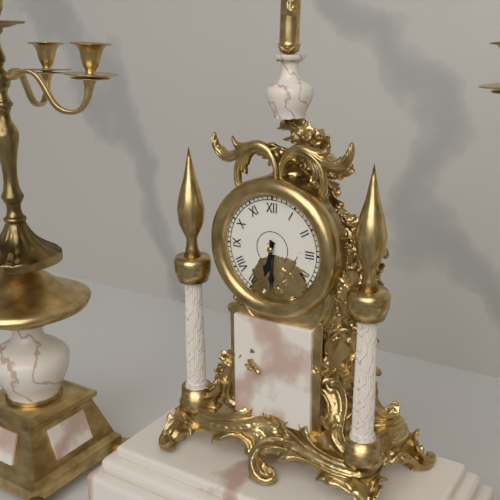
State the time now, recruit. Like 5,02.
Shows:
6,30
